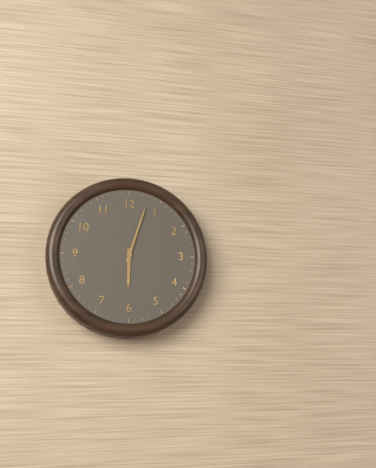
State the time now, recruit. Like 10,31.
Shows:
6,03
